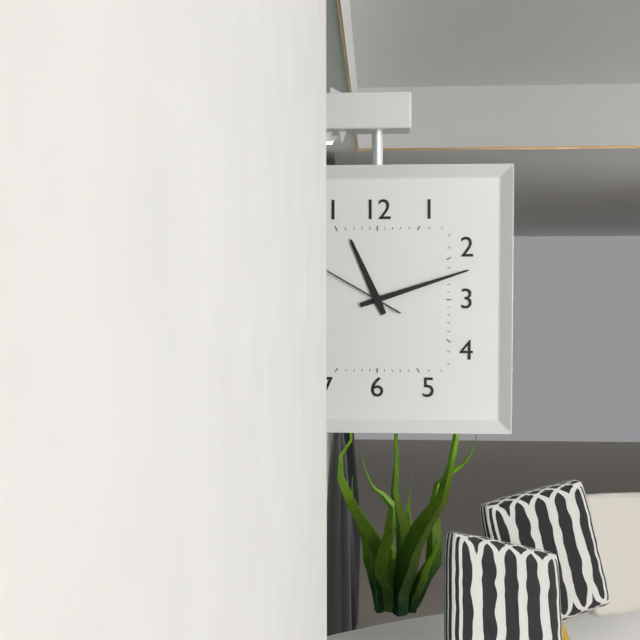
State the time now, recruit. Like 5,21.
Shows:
11,12
